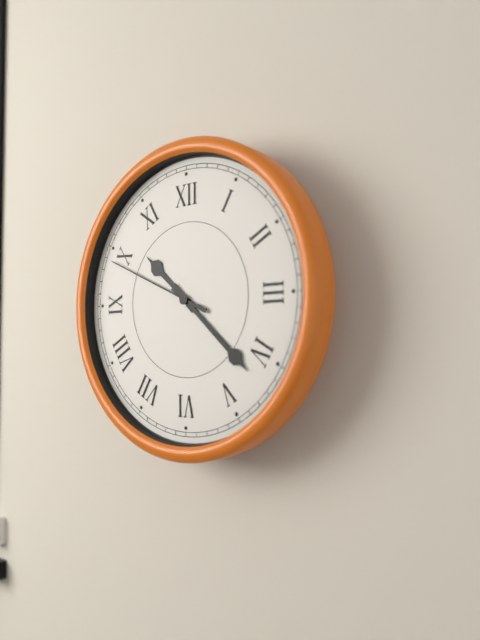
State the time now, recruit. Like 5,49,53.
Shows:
10,22,49
